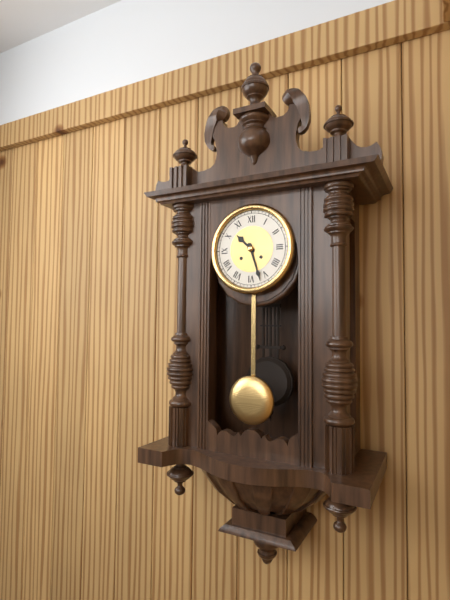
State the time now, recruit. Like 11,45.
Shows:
10,27
